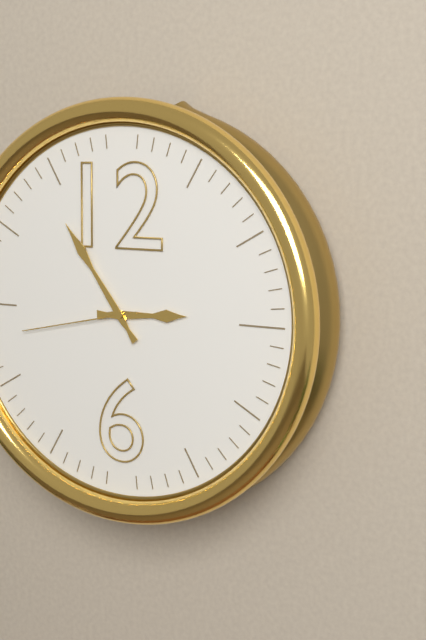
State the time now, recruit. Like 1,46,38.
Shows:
2,54,43
